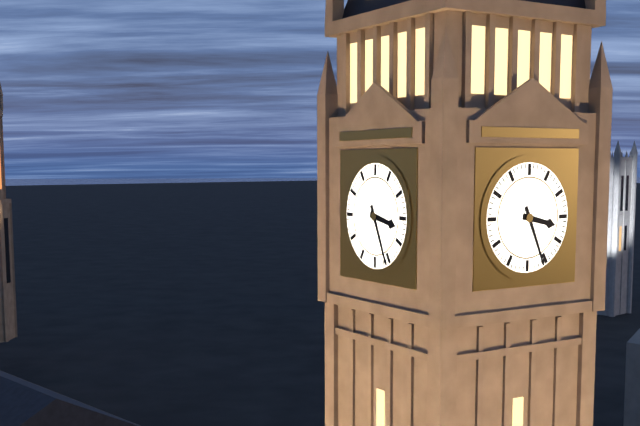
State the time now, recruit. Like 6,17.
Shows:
3,26
